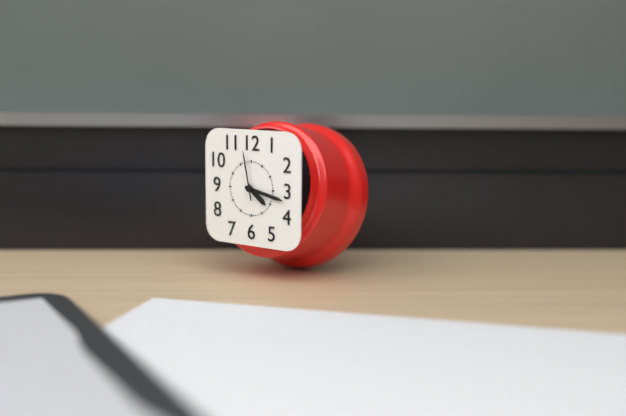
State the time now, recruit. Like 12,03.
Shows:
4,17
